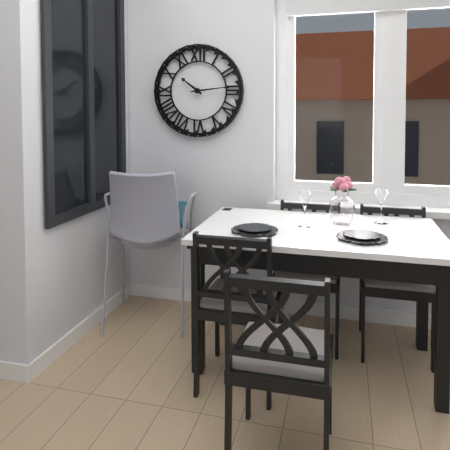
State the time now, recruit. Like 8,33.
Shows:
10,14
